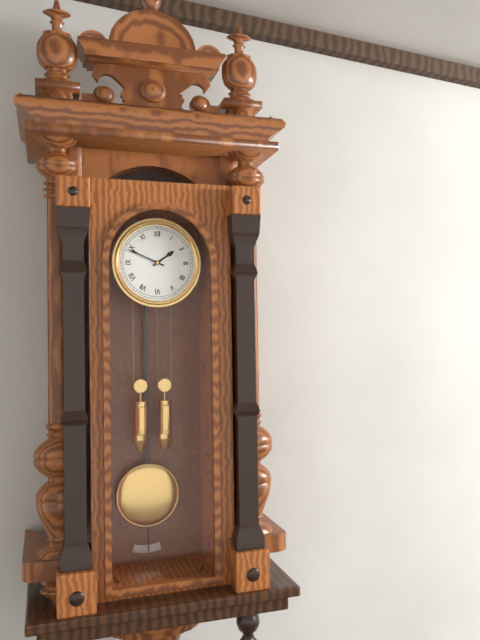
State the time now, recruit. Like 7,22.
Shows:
1,49
